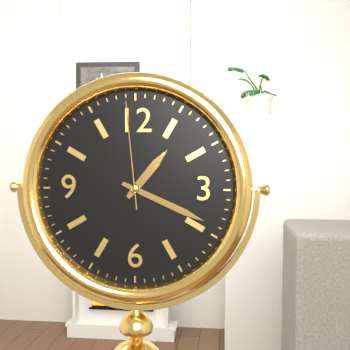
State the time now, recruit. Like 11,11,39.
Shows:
1,19,59
